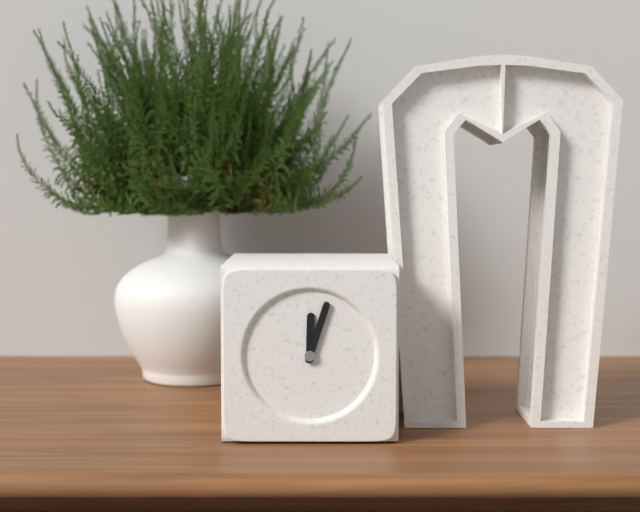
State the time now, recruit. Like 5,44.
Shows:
12,03
